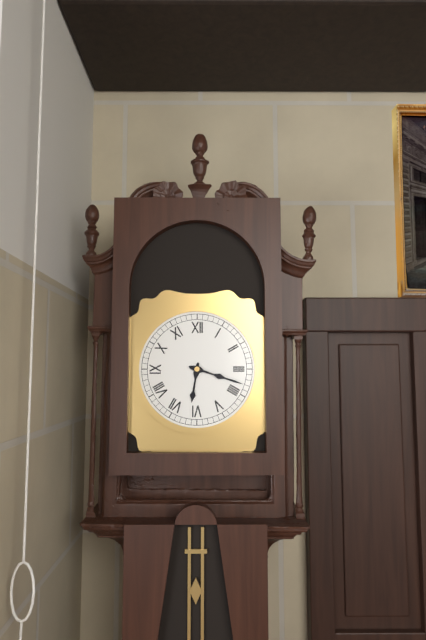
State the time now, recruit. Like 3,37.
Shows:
6,18
